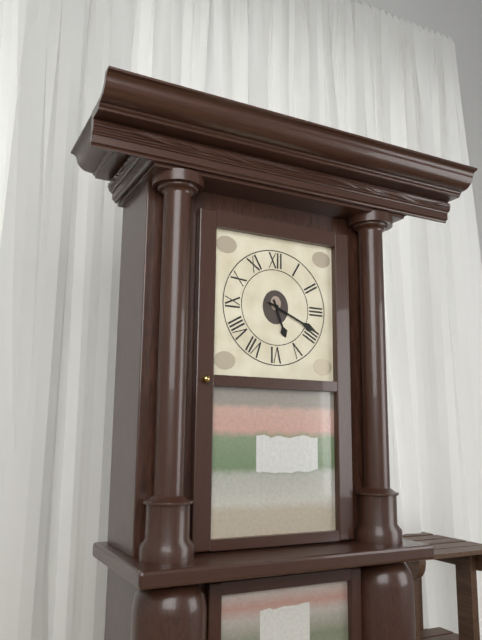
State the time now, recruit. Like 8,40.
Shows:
5,19
